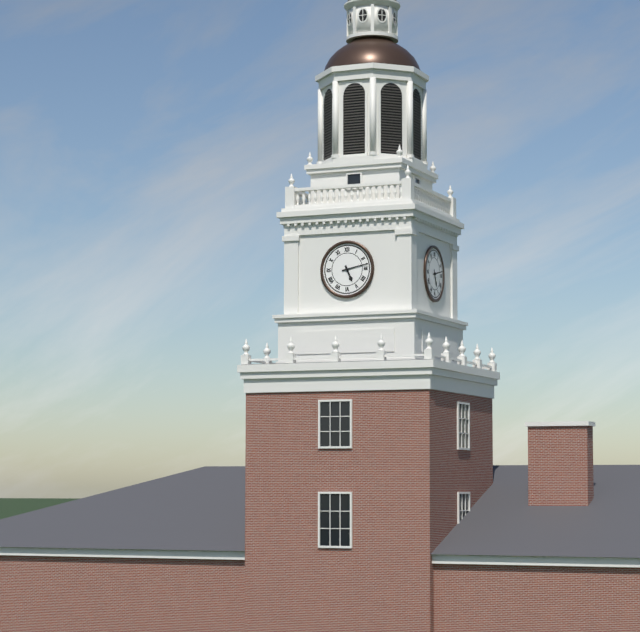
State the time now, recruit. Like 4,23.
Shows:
5,13
